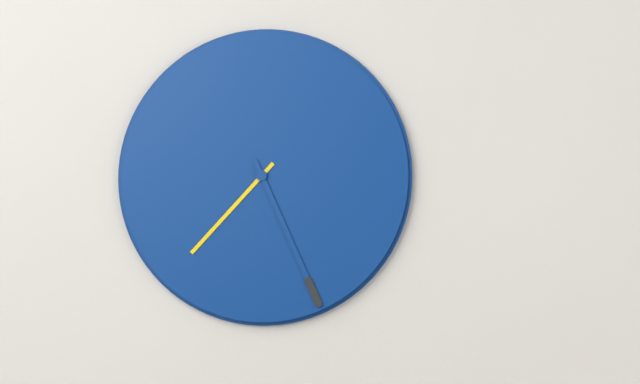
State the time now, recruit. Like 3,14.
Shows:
7,26
